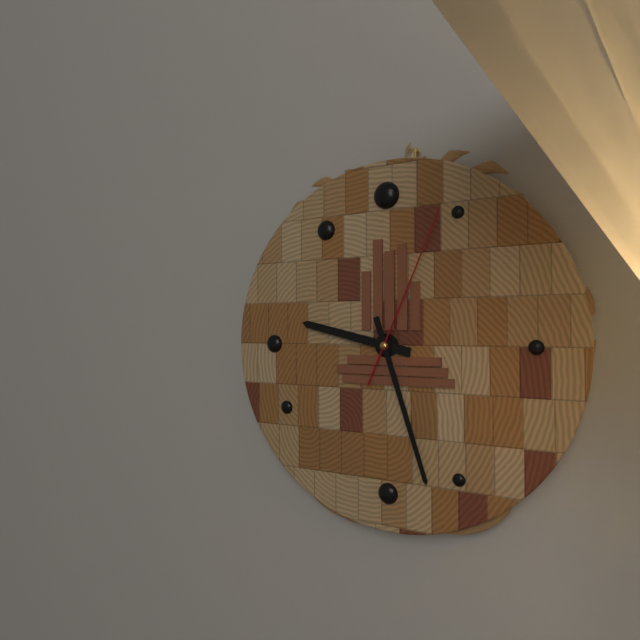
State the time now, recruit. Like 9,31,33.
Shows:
9,27,04
